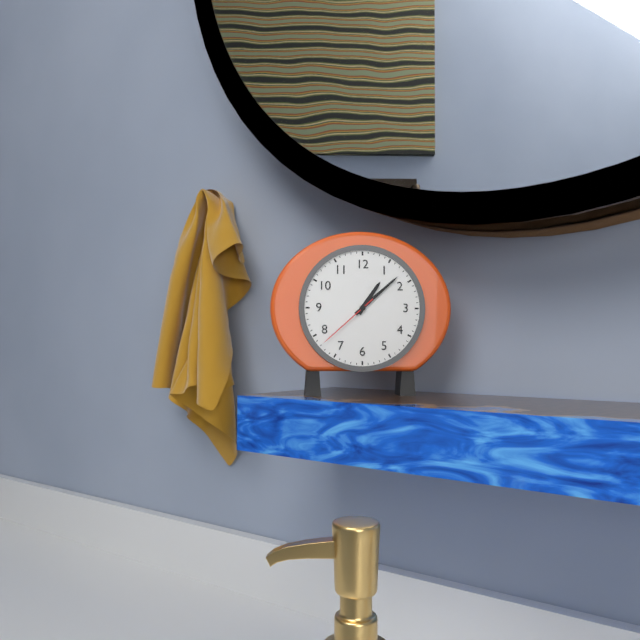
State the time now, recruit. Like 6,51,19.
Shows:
1,08,38
